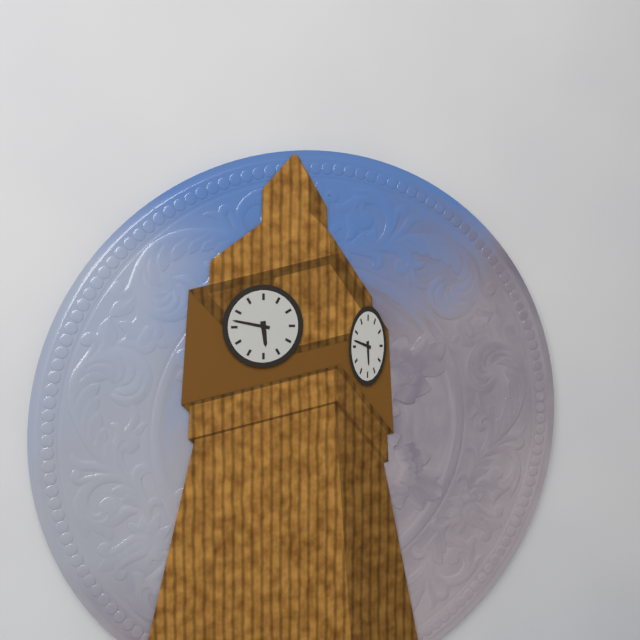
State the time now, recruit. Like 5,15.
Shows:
5,47
